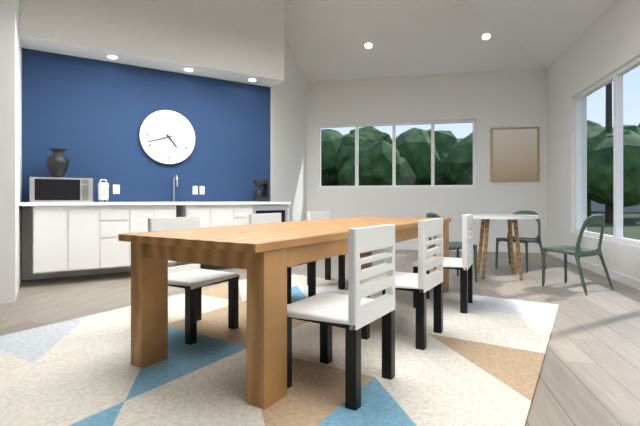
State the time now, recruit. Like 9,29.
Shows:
4,42
